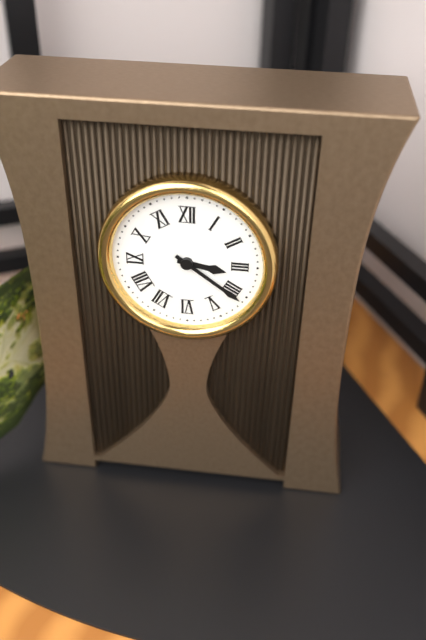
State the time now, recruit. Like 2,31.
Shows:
3,21
